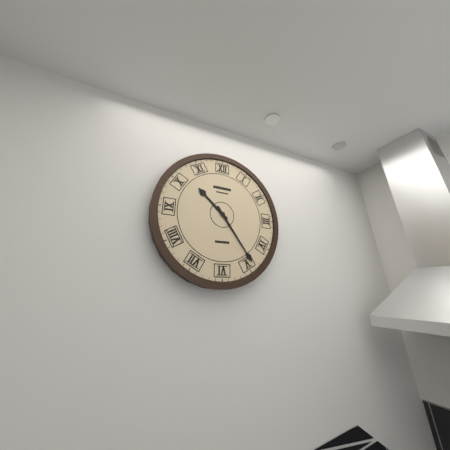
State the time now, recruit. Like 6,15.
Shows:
10,24
